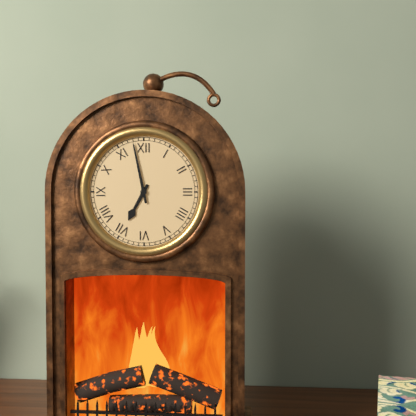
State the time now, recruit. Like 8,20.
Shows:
6,58
